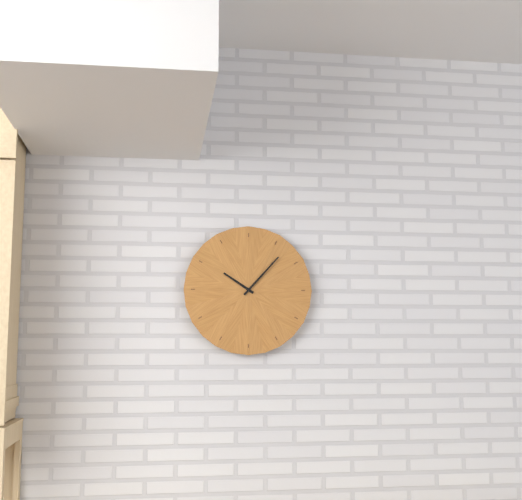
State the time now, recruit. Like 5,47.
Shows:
10,07
